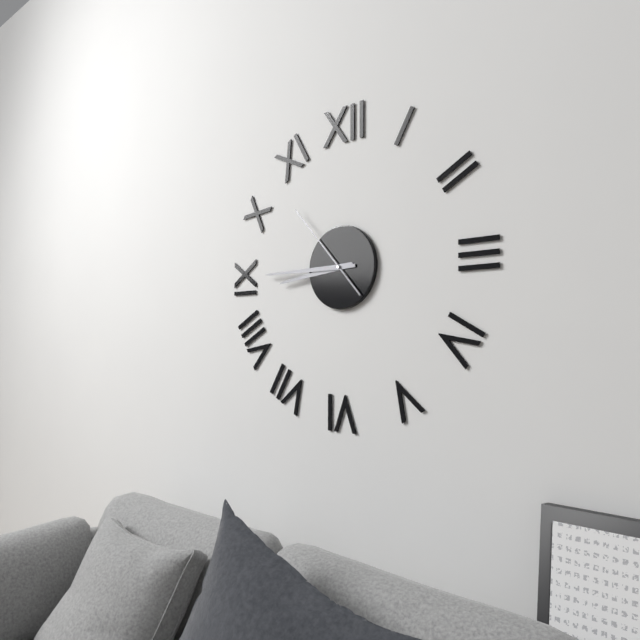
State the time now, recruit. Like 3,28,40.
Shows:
8,45,53
